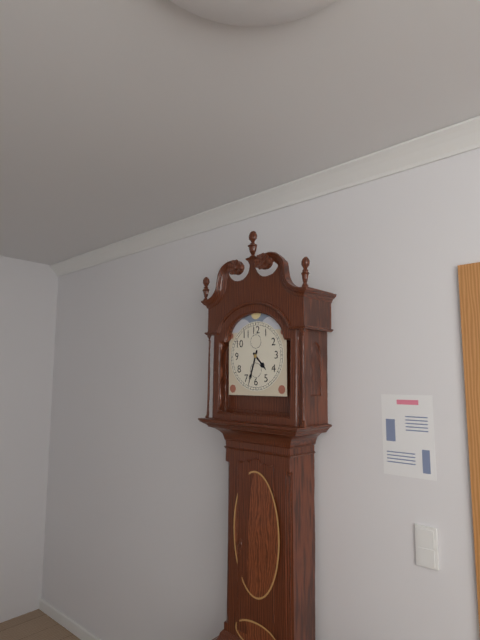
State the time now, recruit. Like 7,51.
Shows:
4,33
